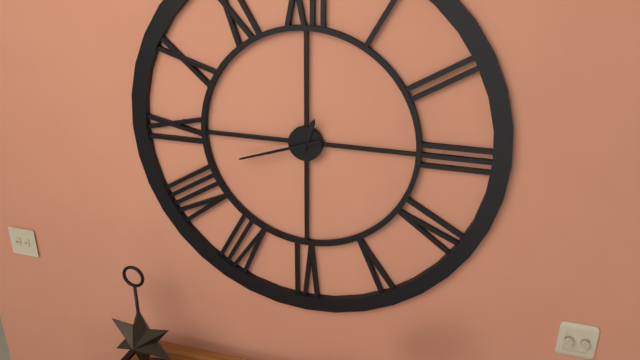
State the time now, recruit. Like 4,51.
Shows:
12,42
